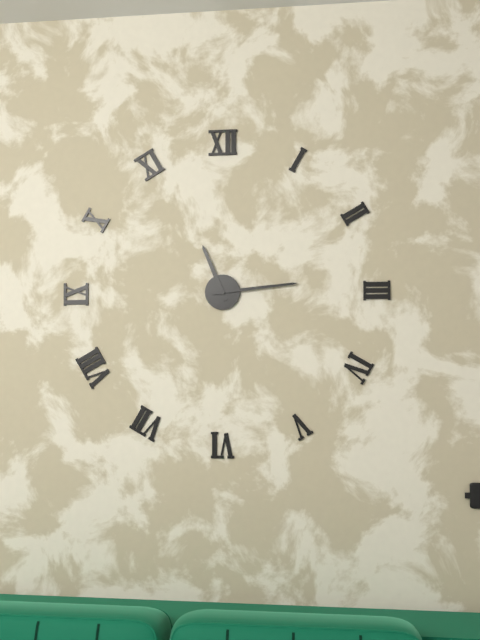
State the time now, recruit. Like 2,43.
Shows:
11,14
